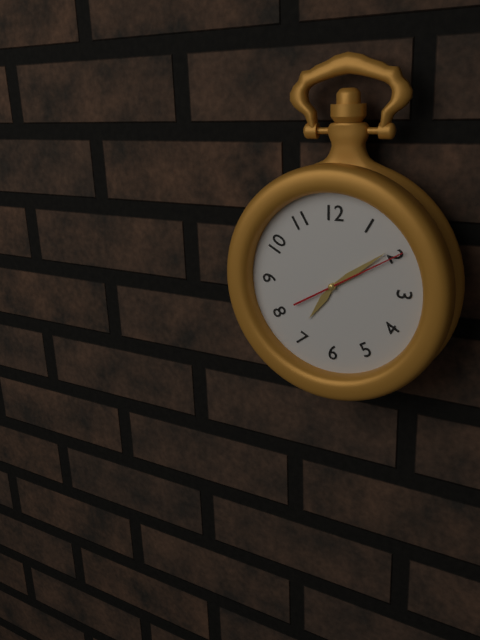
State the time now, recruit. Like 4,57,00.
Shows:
7,09,10
